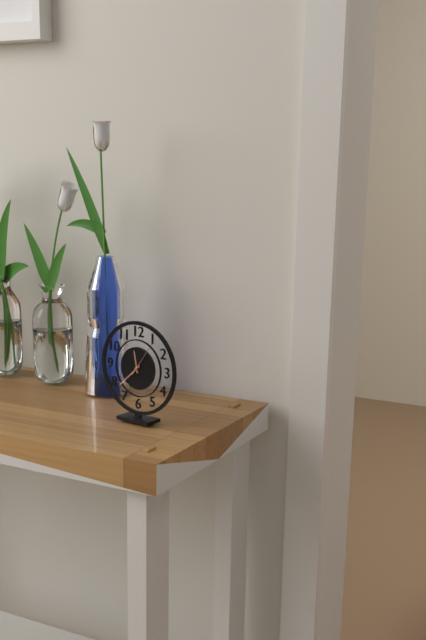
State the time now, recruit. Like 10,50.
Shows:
11,38
